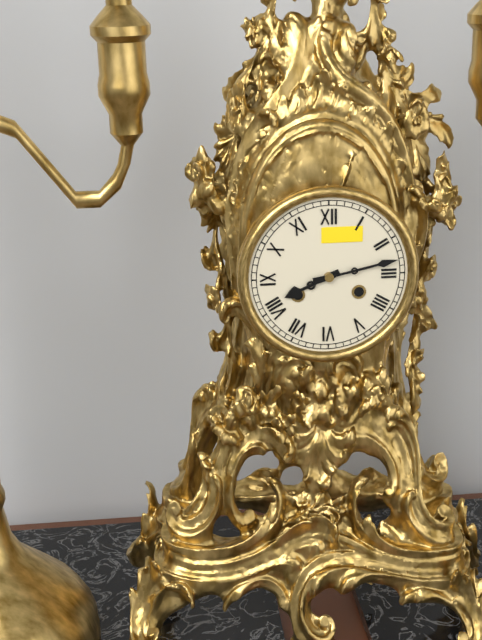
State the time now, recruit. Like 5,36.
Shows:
8,13
